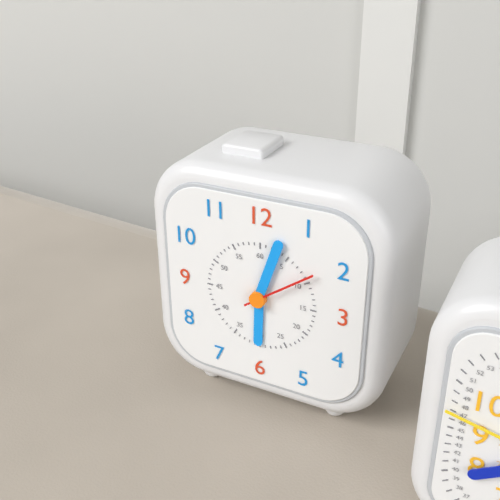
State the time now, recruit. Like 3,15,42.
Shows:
6,03,09
